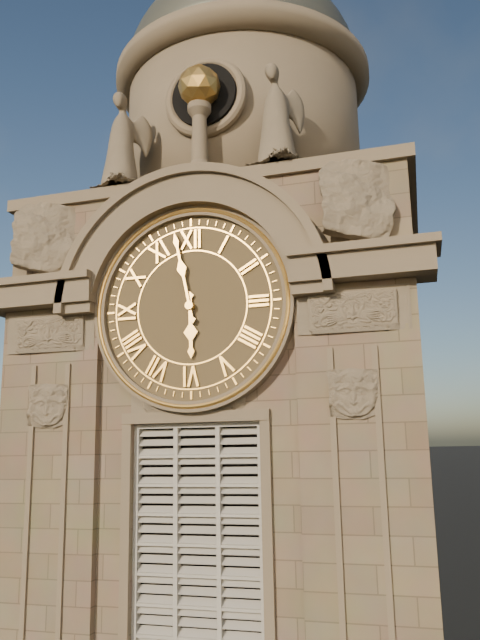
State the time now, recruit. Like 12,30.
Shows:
5,58
